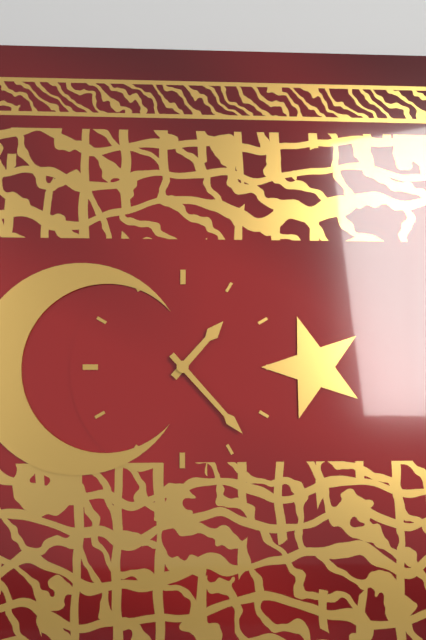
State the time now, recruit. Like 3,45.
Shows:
1,23
